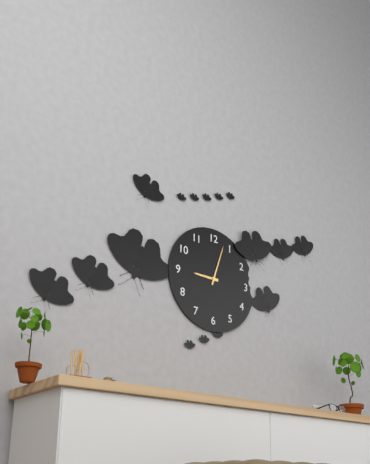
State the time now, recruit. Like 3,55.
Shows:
9,03
